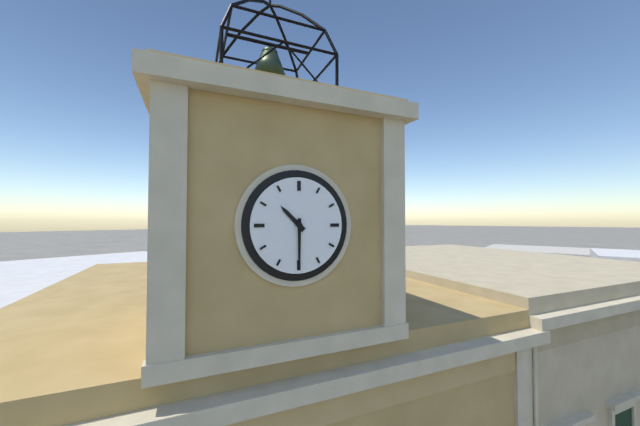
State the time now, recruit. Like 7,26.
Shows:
10,30
